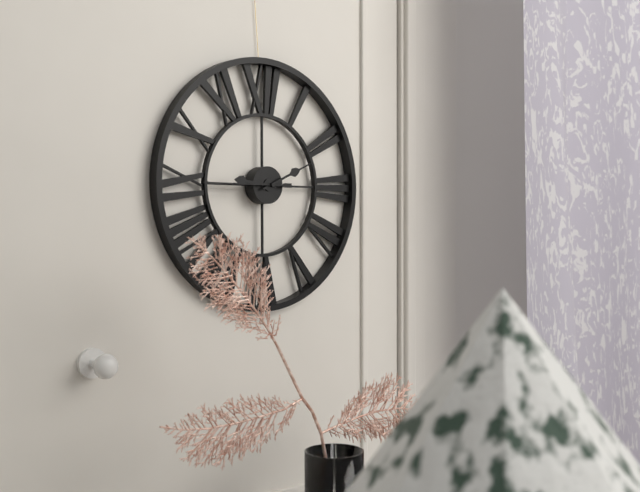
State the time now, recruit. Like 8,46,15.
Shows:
9,11,45
